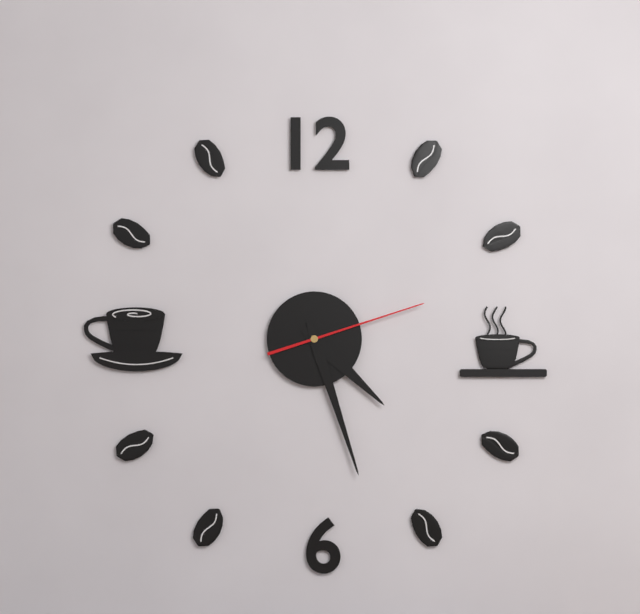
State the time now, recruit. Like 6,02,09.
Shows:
4,27,12
